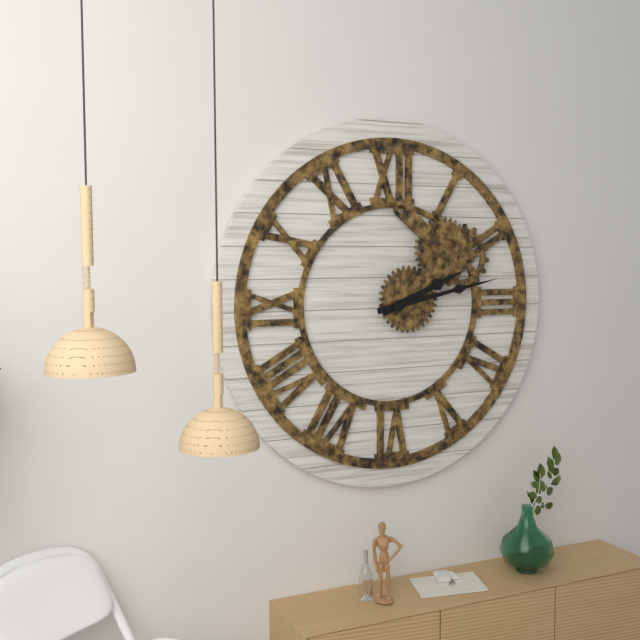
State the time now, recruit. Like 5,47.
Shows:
2,13
